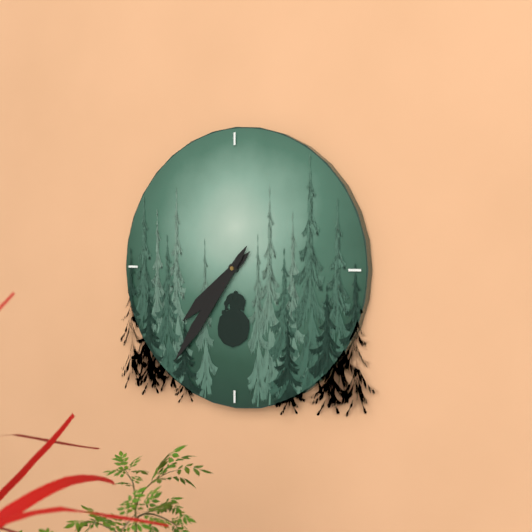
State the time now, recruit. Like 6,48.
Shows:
7,36
